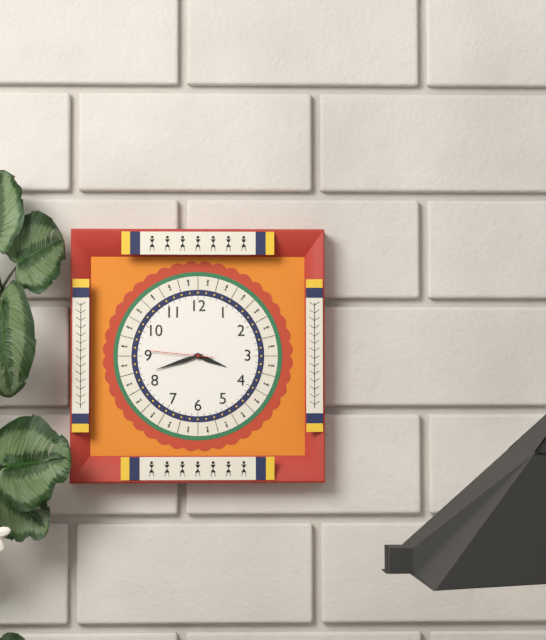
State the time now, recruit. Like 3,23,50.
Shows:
3,42,46
